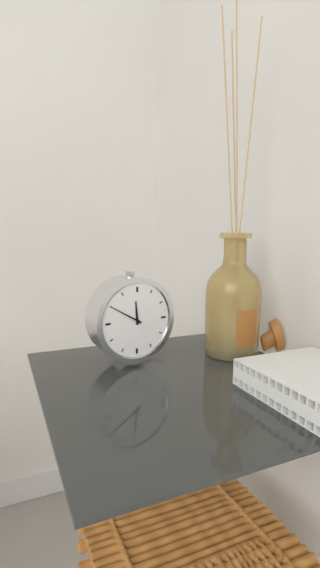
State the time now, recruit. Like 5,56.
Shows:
11,50
